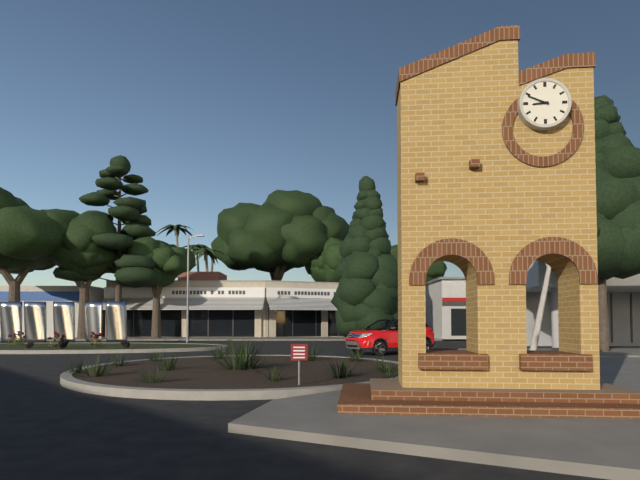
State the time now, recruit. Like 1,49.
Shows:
8,49
